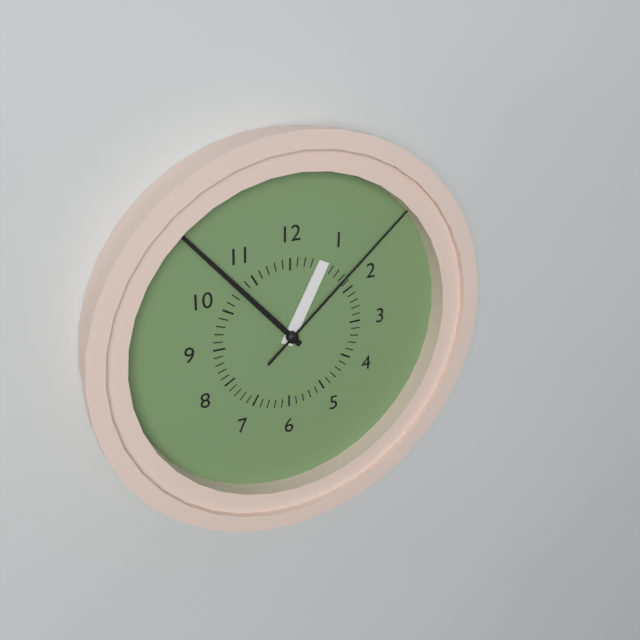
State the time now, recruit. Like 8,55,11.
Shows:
12,53,08
